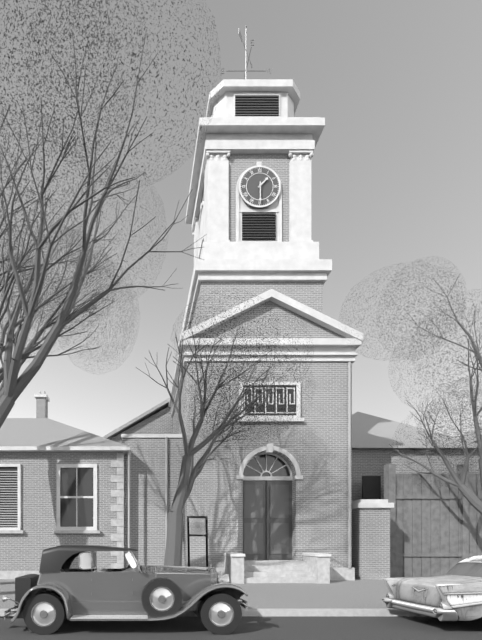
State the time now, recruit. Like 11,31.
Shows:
1,30
